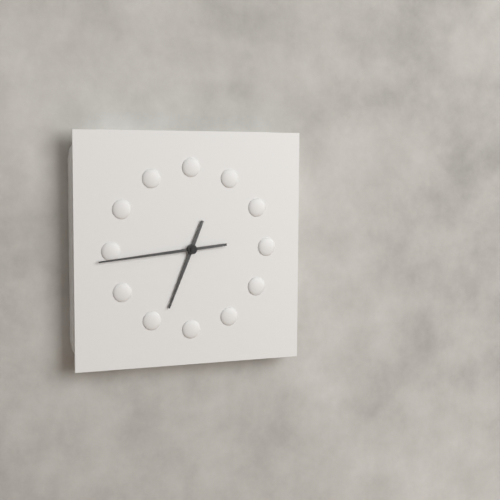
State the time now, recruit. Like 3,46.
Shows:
6,44
